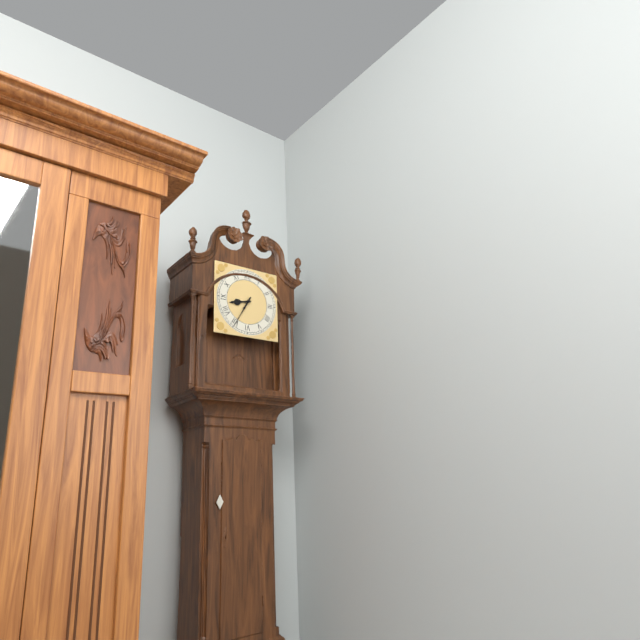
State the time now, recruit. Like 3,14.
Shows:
8,35
